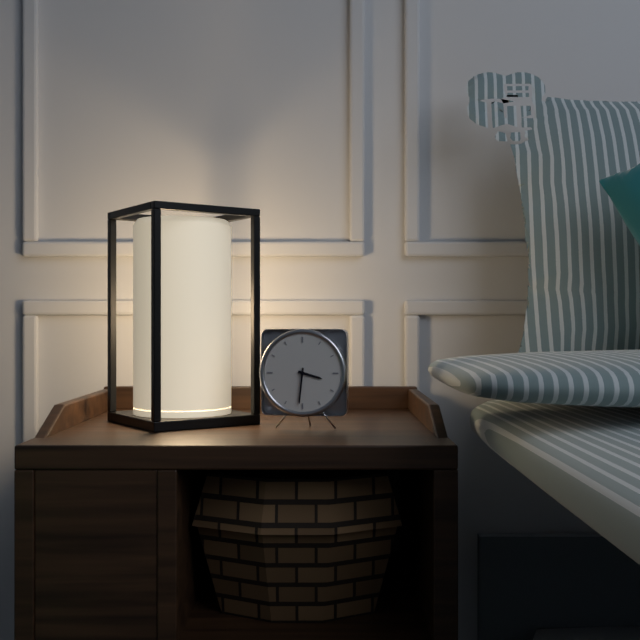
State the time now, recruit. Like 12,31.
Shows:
3,31
